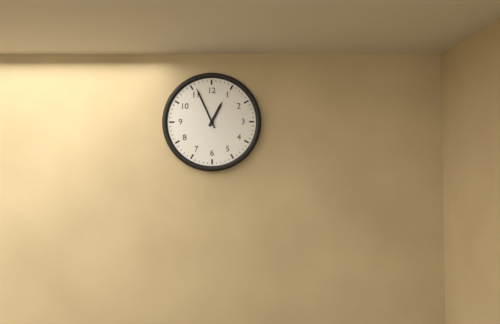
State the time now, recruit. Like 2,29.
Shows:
12,56
